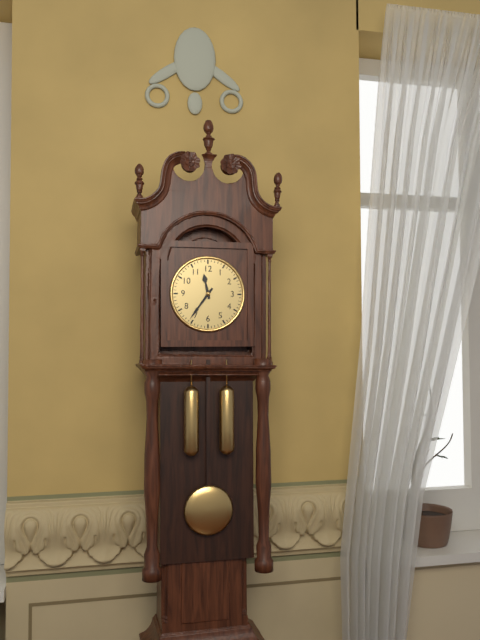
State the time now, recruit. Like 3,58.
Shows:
11,36
